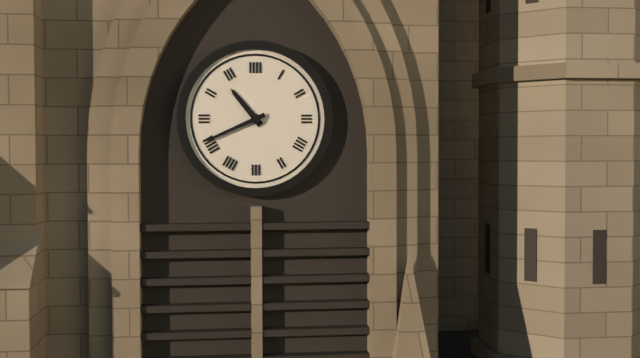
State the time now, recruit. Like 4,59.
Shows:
10,41
